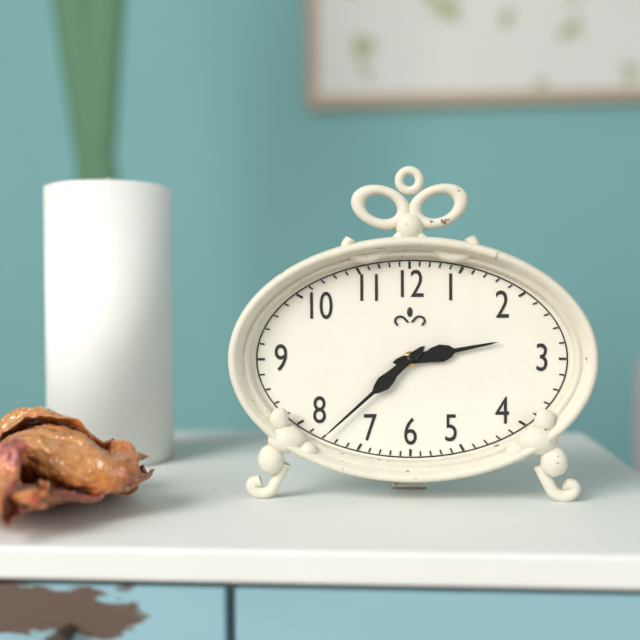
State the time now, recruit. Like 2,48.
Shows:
2,38
